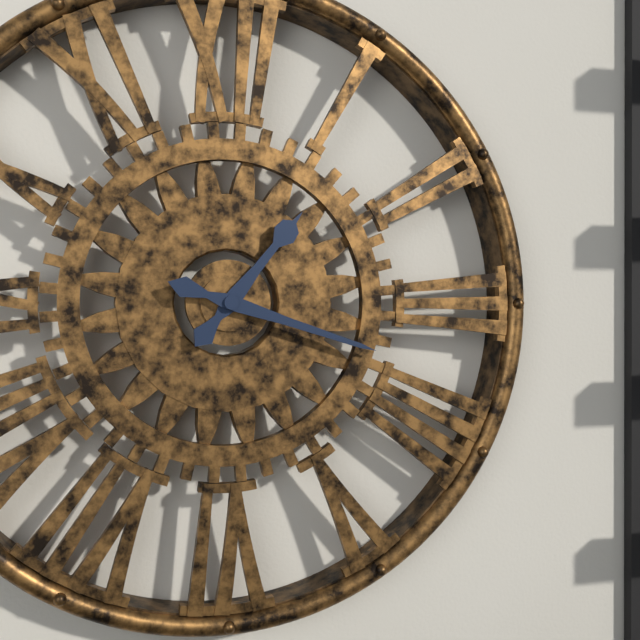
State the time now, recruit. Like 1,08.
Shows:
1,18
